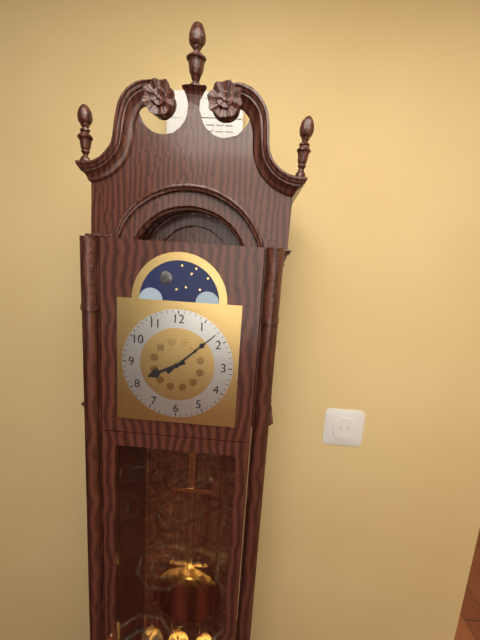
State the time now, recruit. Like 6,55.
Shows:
8,08
